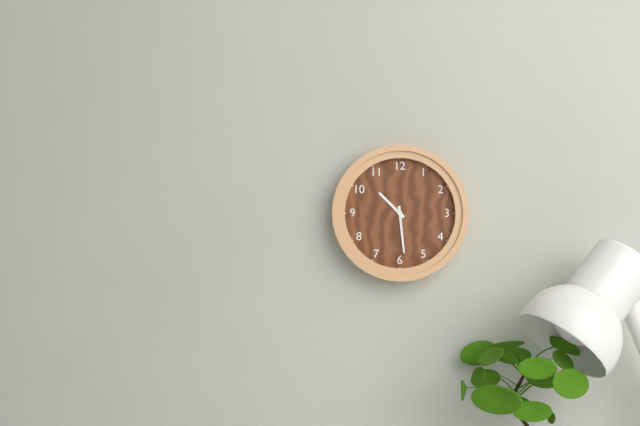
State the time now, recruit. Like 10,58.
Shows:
10,29
